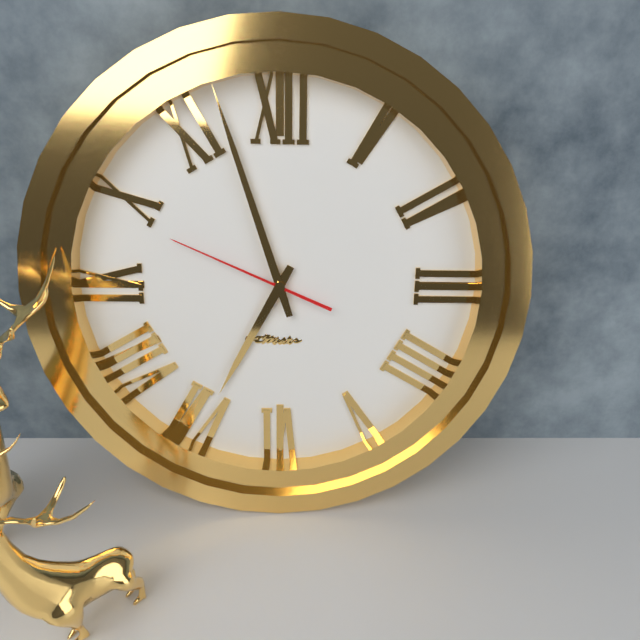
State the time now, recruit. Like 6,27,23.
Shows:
6,57,49
